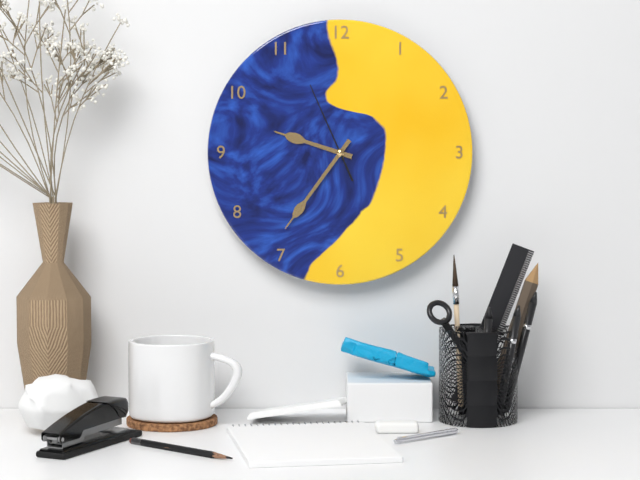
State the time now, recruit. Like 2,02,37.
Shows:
9,36,56
